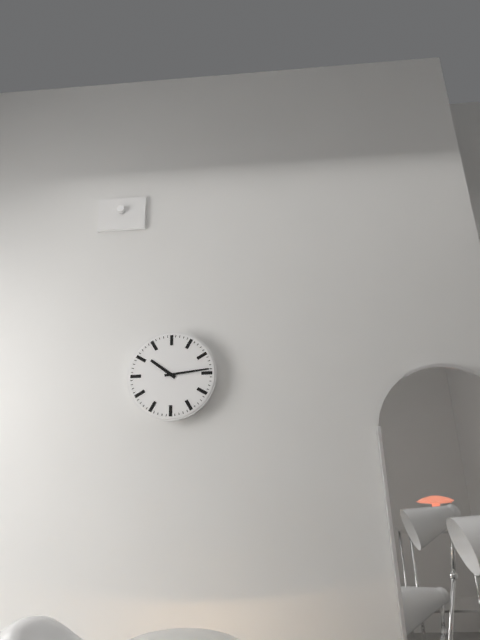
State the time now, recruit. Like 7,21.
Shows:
10,14
